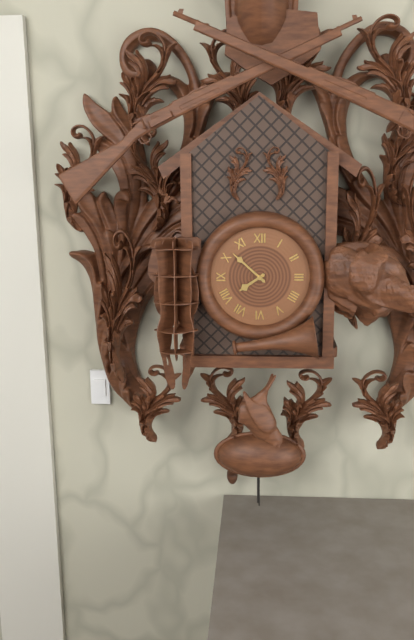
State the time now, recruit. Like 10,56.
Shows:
7,52
